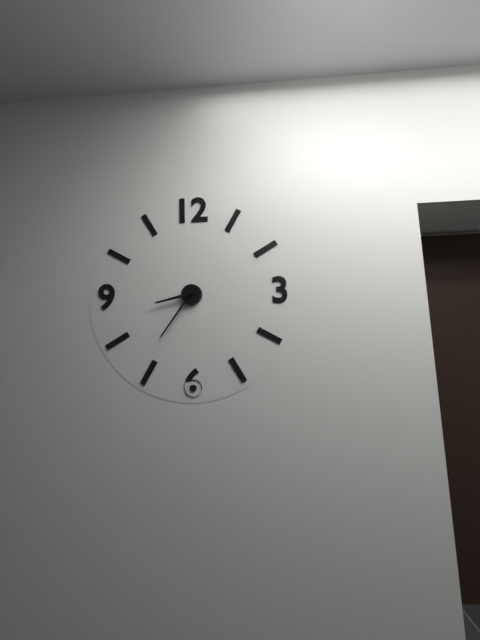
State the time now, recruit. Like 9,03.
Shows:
8,36
